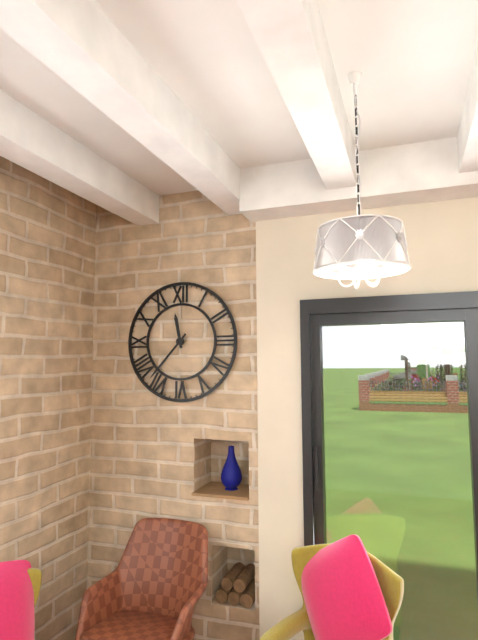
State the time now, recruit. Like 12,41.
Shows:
11,37
